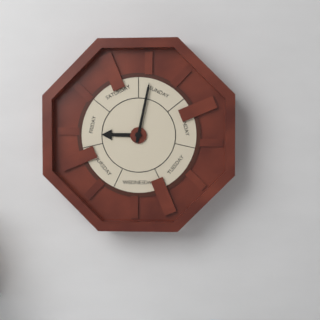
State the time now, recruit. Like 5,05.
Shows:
9,02
